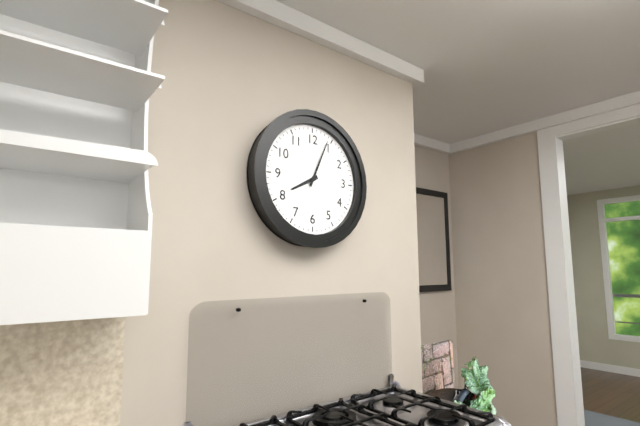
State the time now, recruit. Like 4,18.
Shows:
8,04
